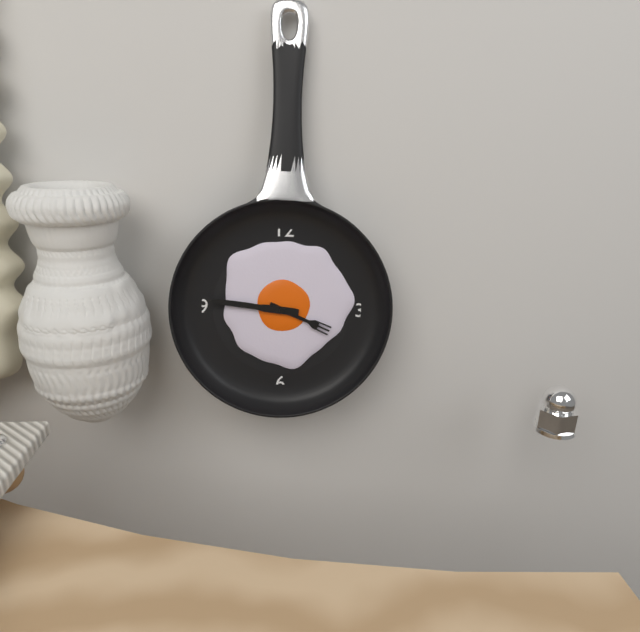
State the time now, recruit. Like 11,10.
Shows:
3,46
